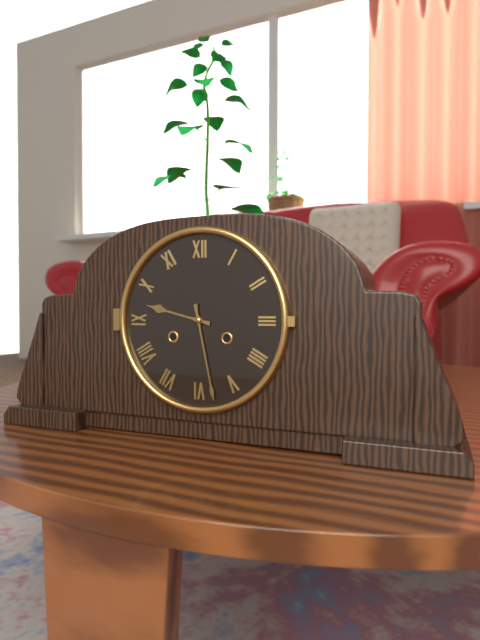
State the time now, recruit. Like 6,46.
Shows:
9,28
